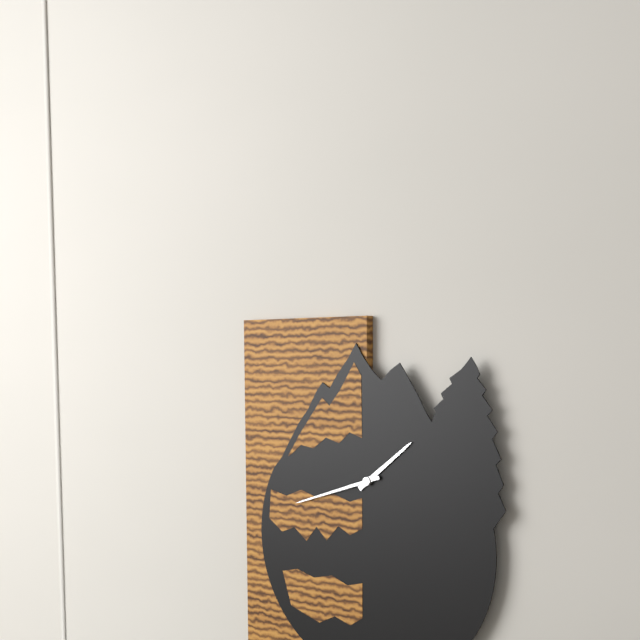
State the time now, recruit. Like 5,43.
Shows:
1,42
